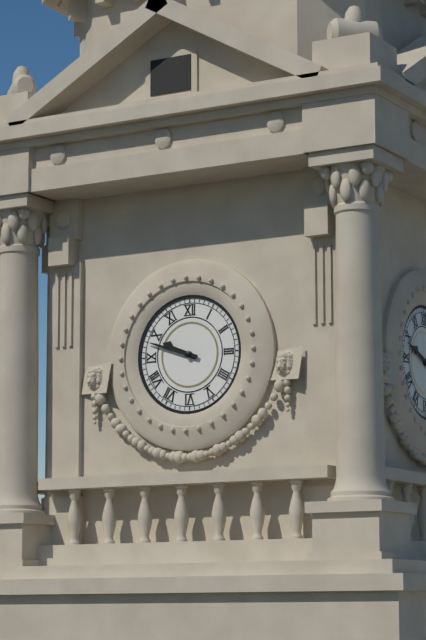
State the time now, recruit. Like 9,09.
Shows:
9,48
